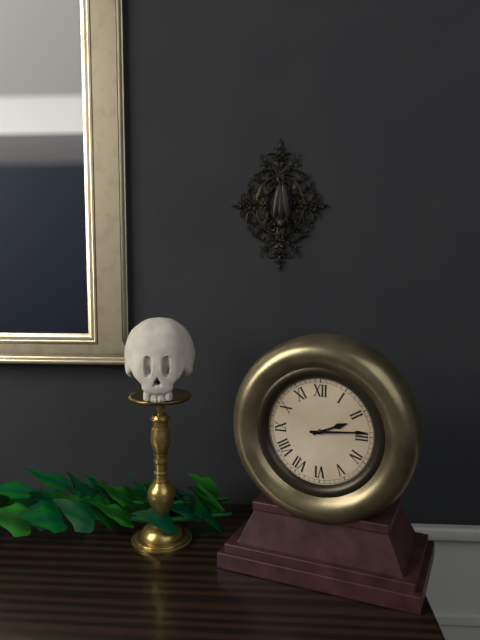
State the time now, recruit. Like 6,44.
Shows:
2,14
